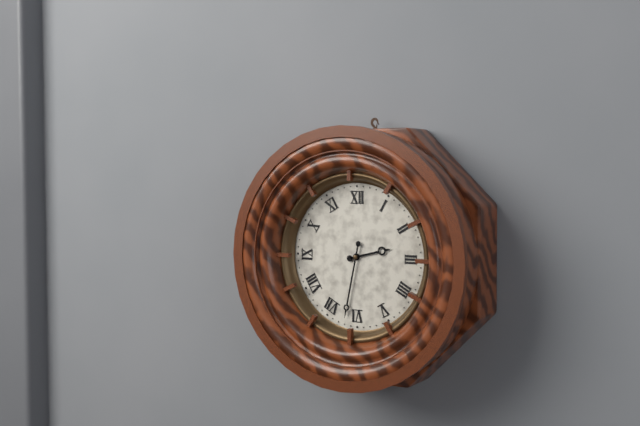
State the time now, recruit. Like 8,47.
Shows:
2,32
